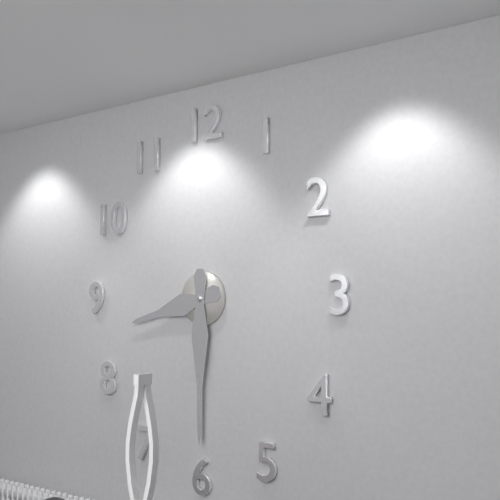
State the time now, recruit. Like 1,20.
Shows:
8,30
